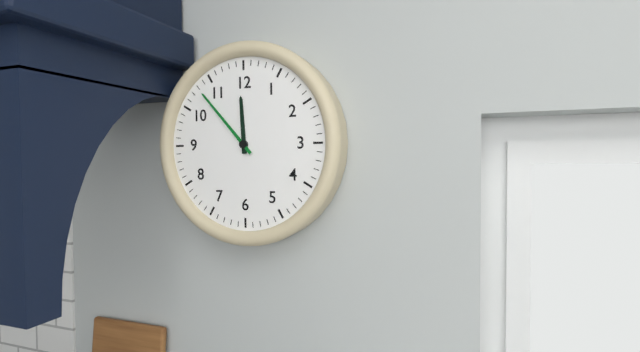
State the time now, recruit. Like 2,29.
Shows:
11,53
